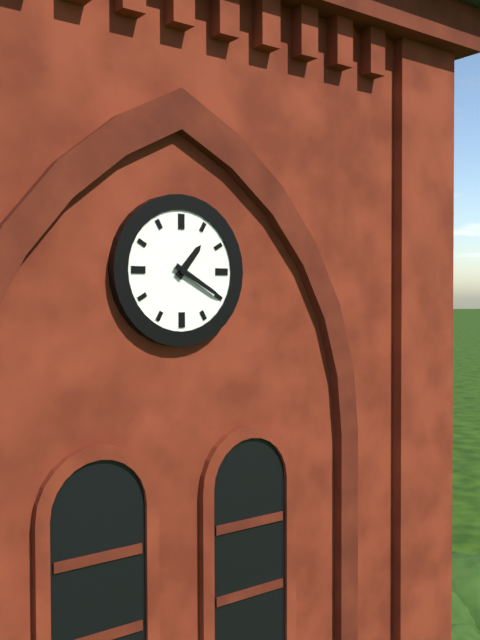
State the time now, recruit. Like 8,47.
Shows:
1,20
